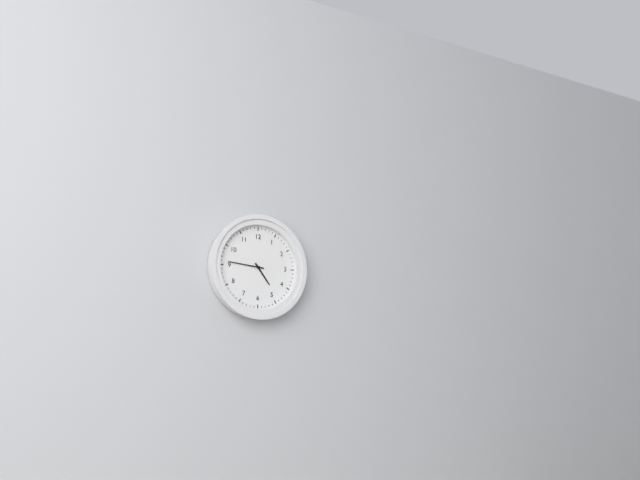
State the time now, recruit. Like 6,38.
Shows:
4,46
